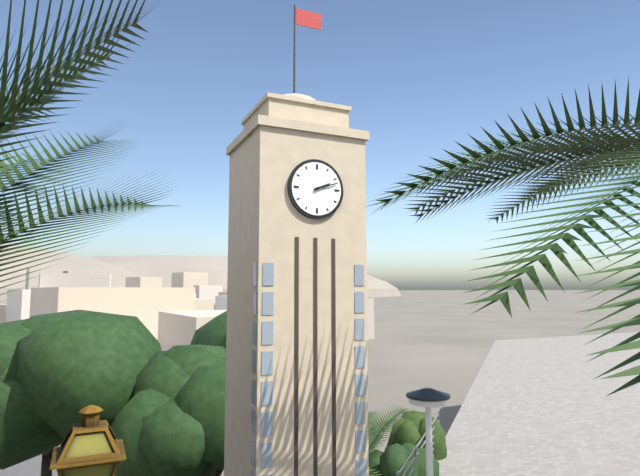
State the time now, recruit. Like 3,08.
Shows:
2,12
